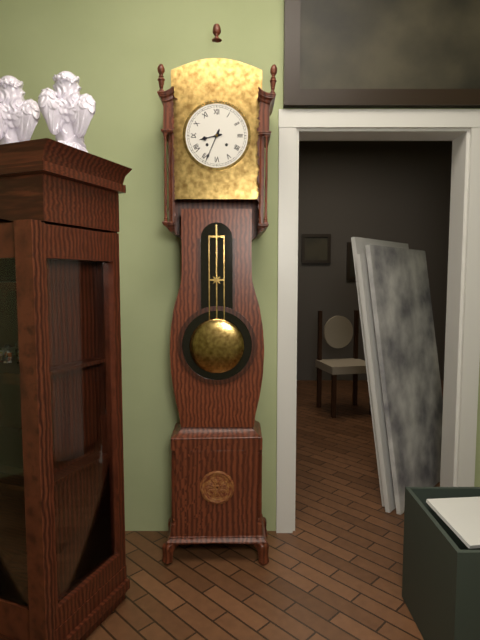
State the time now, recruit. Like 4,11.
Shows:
8,34
